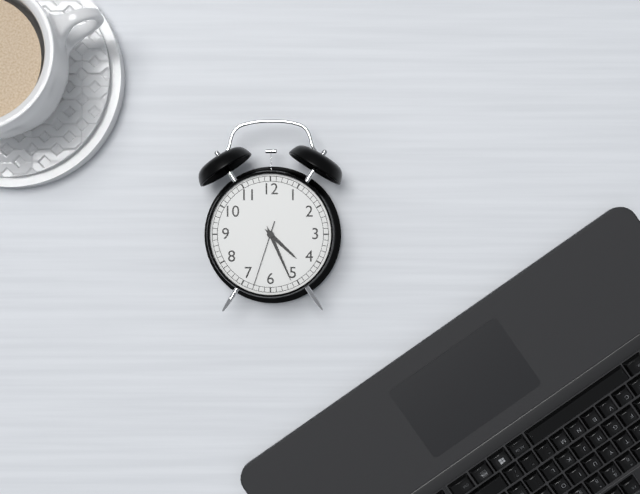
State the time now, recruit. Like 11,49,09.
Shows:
4,26,33
